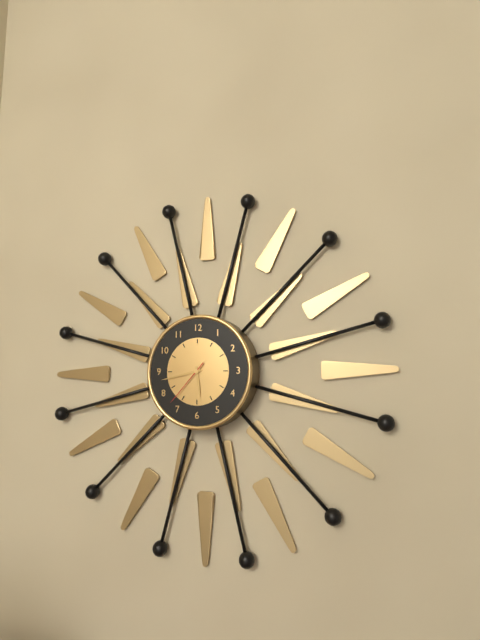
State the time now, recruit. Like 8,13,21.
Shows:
5,43,37
